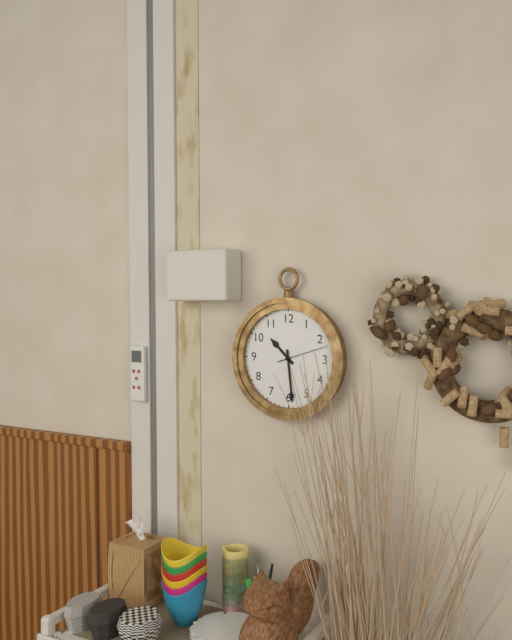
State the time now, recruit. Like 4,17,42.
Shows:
10,29,12
